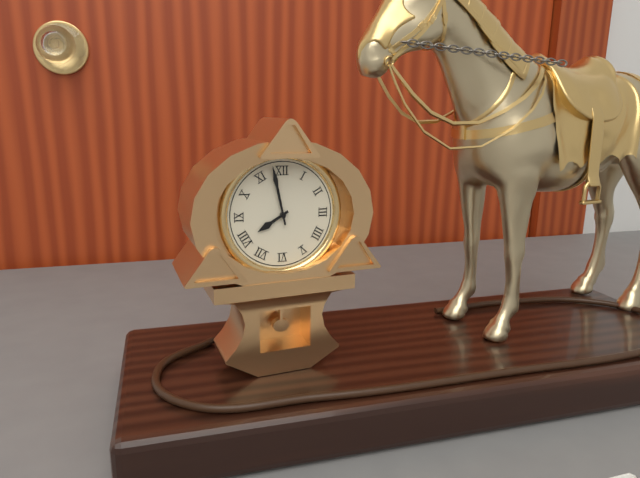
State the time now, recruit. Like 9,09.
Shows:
7,58
